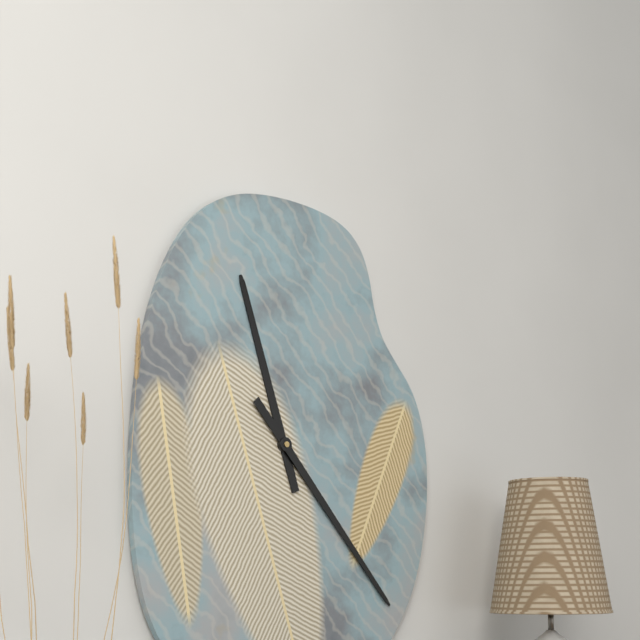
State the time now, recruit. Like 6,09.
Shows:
11,23
